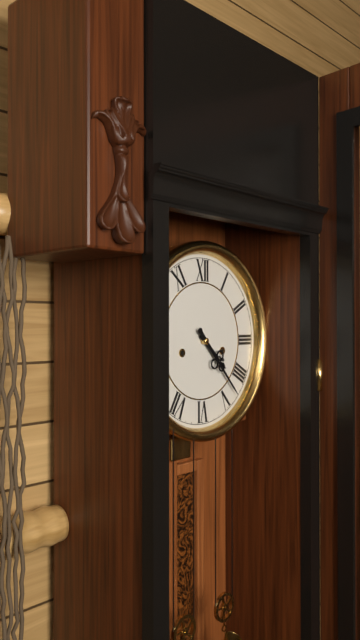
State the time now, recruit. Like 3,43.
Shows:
4,23
